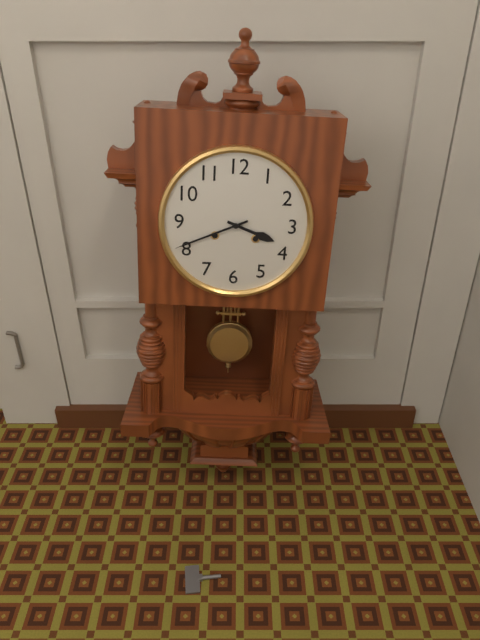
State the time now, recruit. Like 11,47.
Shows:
3,41
